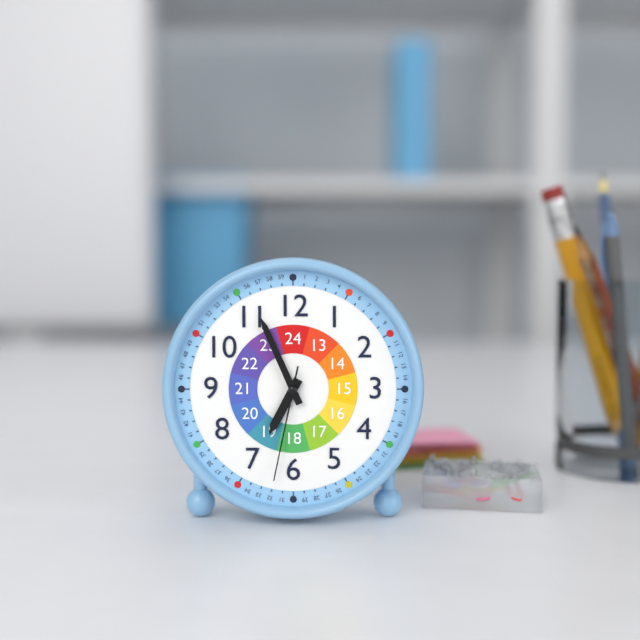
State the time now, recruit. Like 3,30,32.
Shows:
6,56,32
